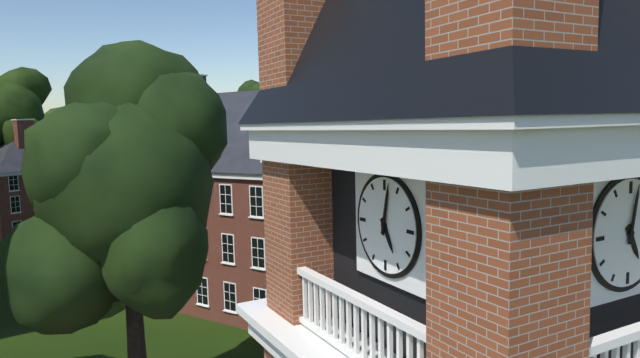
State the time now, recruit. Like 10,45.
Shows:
5,02
